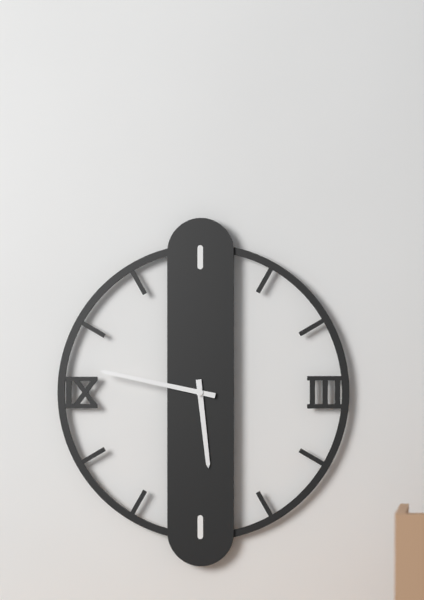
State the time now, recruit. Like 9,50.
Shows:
5,47
